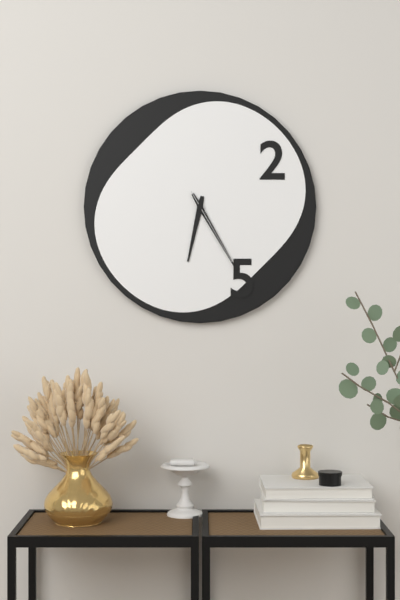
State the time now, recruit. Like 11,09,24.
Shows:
6,25,25
